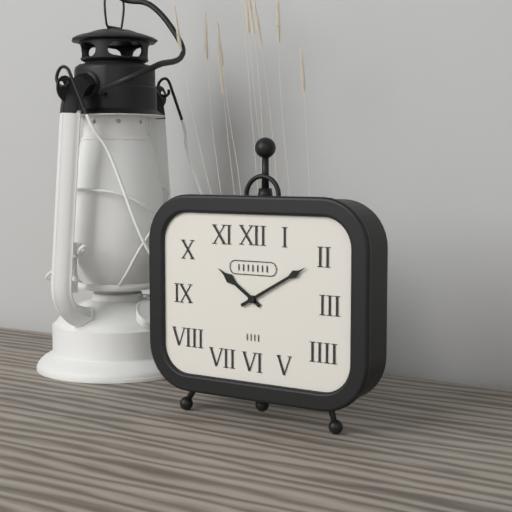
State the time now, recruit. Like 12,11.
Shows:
10,10
